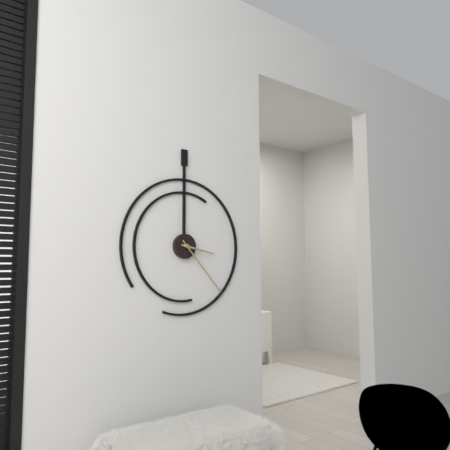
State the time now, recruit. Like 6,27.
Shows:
3,23
